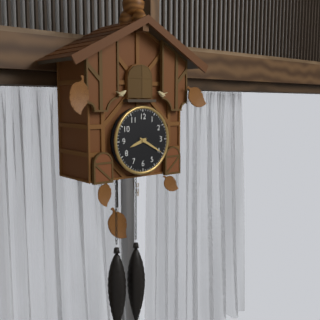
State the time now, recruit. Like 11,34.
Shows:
8,20
